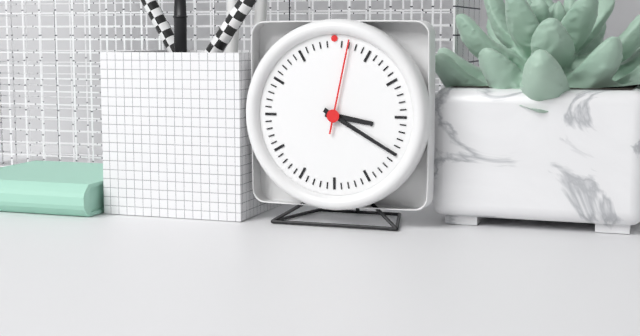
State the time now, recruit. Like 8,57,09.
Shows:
3,20,02
